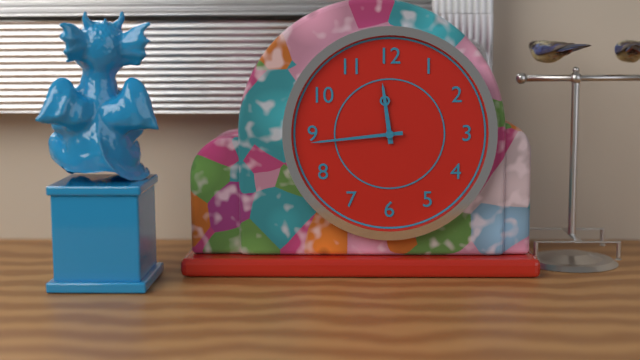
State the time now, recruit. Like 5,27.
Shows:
11,44
